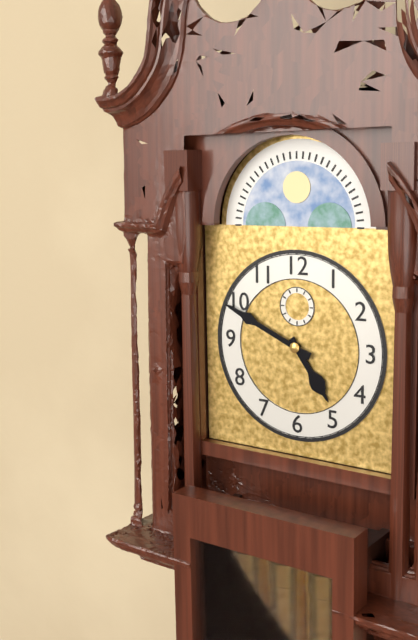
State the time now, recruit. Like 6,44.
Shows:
4,49
